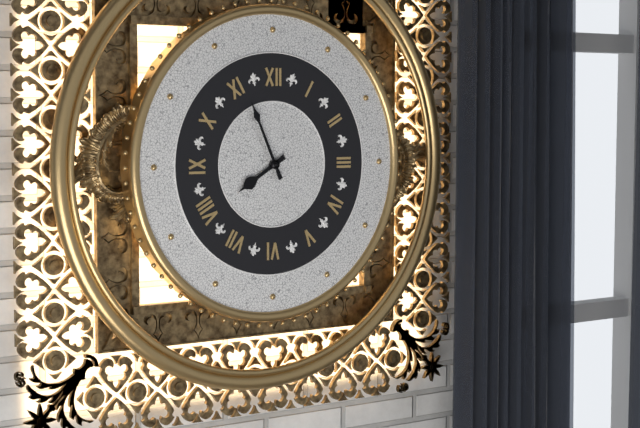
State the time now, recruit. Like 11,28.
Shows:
7,56
